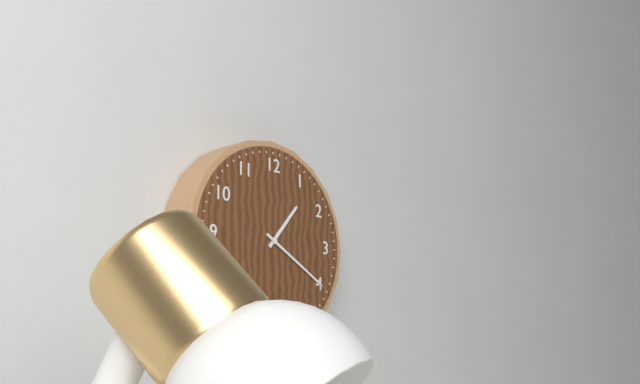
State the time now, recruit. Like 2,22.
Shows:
1,20
